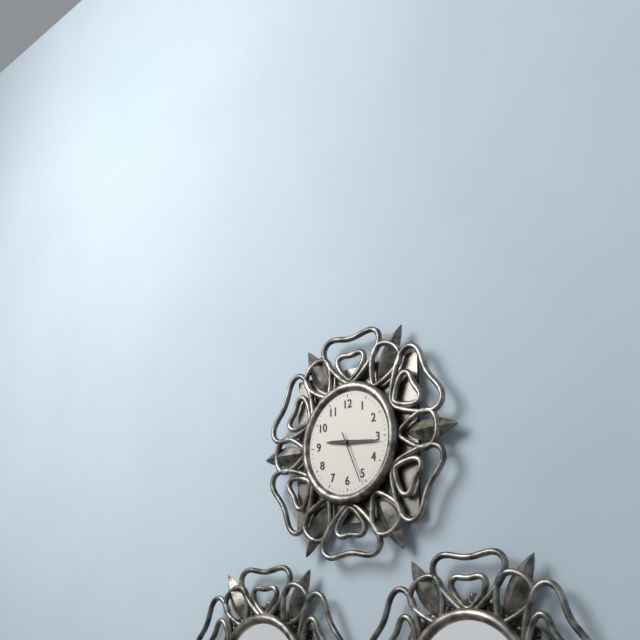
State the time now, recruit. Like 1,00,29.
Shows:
9,16,26
